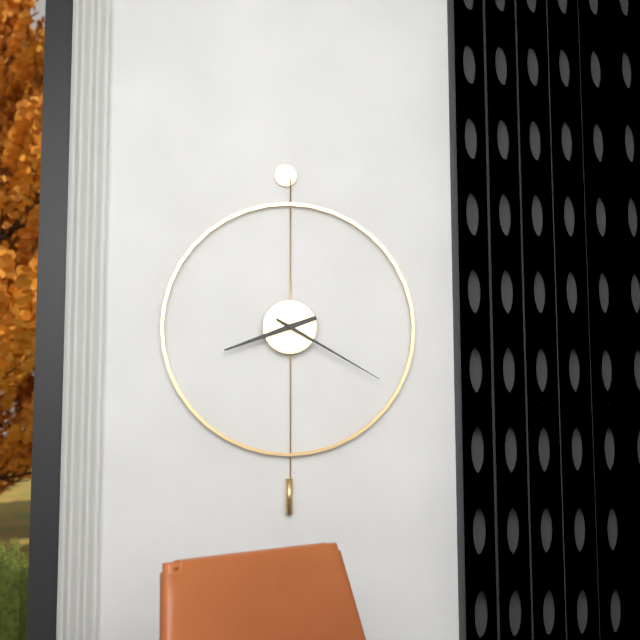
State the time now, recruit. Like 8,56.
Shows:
8,20
